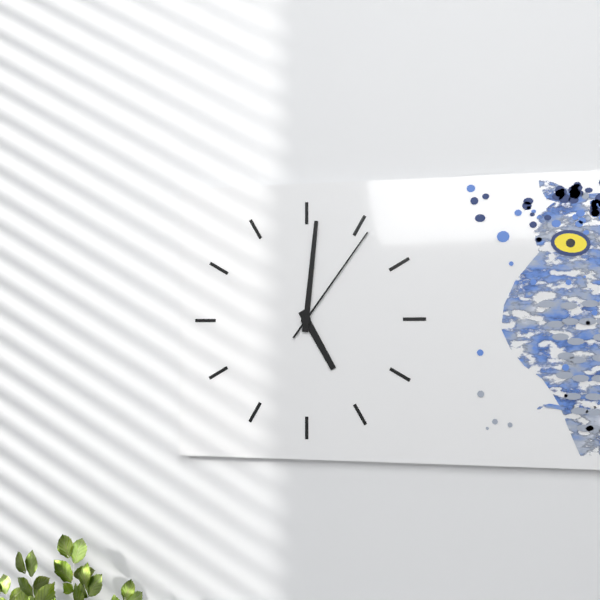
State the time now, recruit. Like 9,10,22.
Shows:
5,01,06
